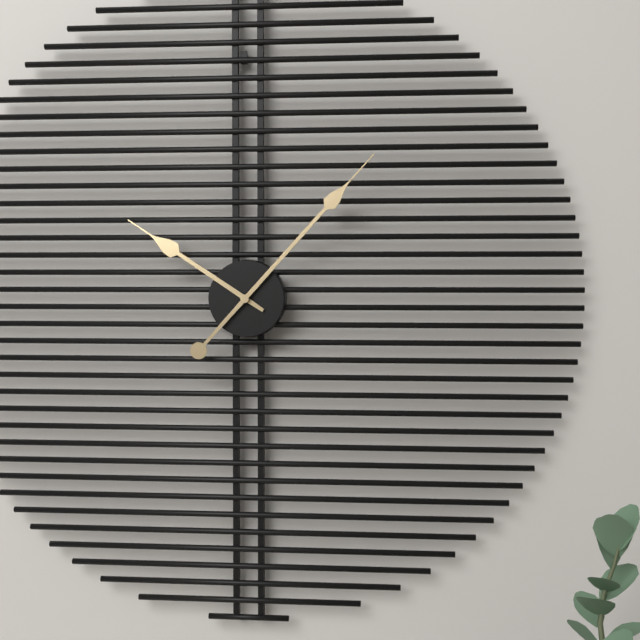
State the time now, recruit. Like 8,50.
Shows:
10,07
